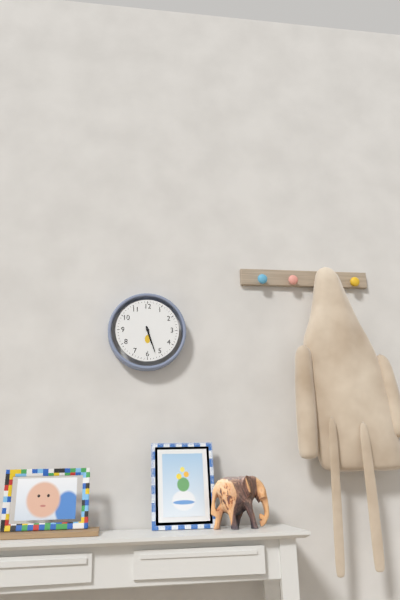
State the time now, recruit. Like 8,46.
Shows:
5,27
